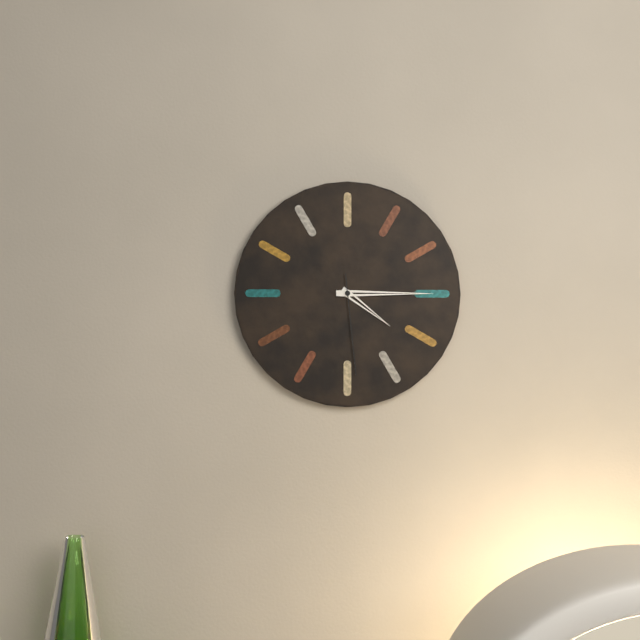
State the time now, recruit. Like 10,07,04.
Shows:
4,15,29
